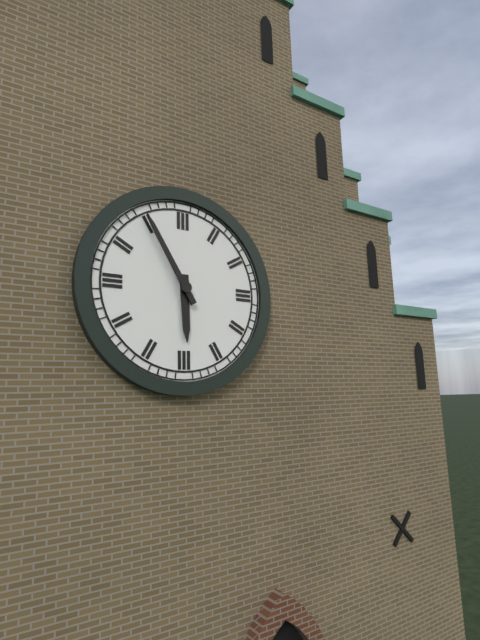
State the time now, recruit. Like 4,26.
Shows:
5,55
